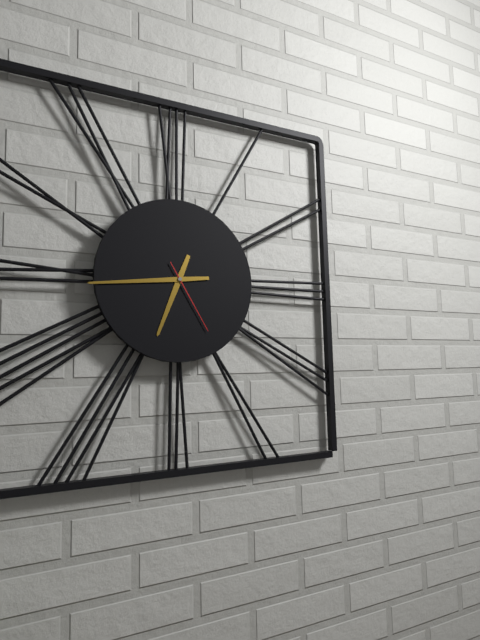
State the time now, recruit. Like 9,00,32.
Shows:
6,44,25
